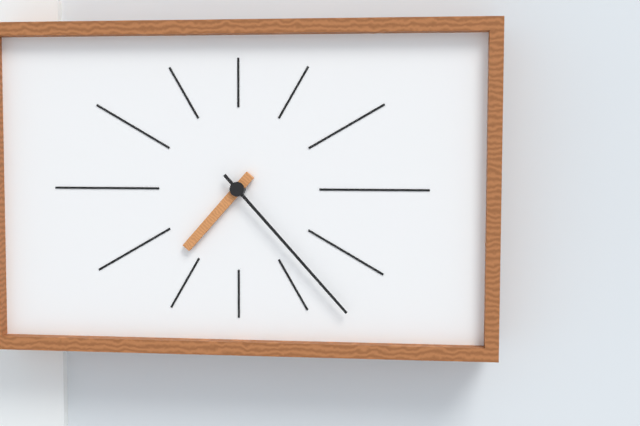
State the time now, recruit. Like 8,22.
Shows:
7,23
